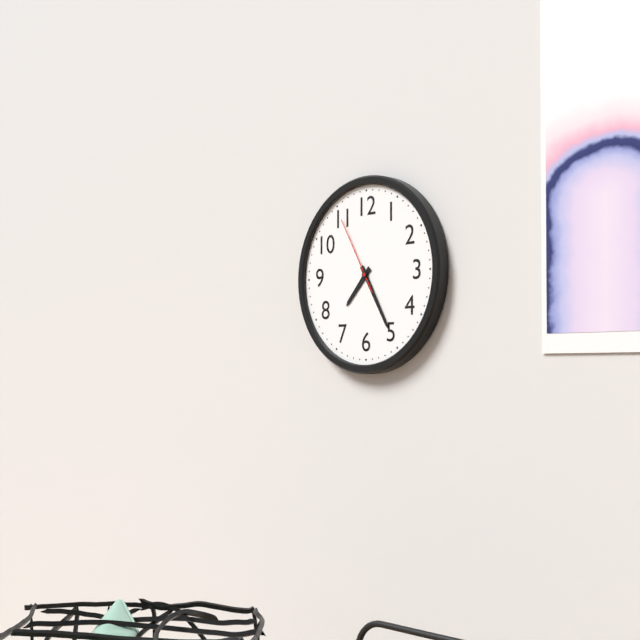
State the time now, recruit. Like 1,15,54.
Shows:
7,25,55
